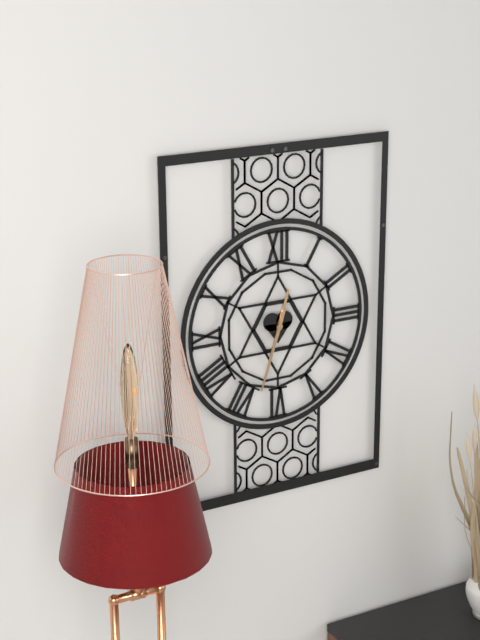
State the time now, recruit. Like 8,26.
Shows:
12,33
